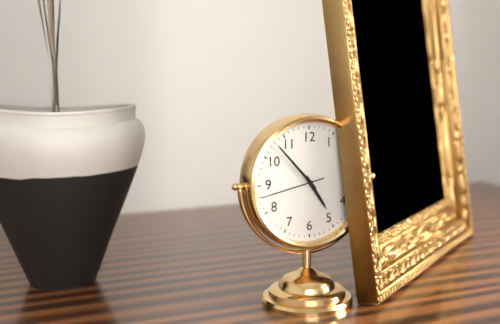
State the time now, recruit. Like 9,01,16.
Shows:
4,53,43
